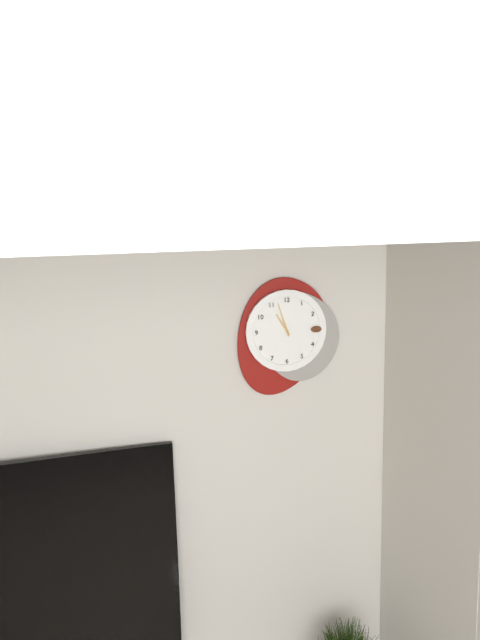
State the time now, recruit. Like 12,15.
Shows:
10,57
